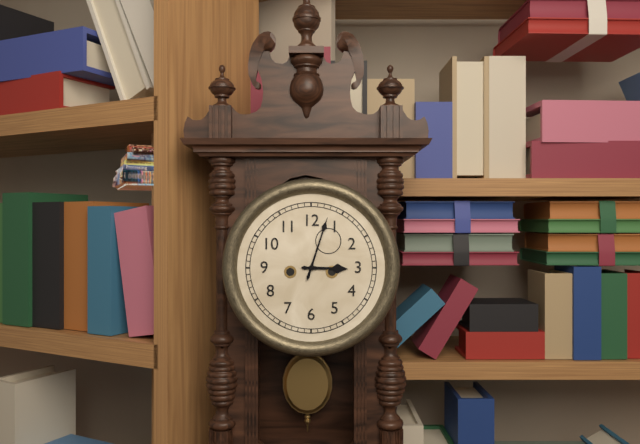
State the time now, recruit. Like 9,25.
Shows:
3,03
